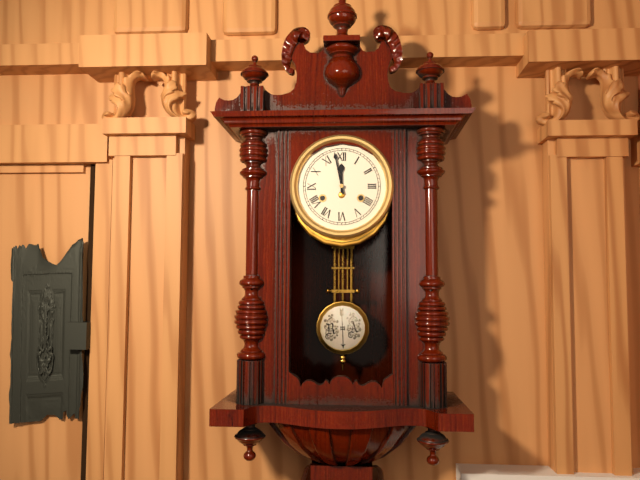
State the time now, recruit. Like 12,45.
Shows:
11,58
